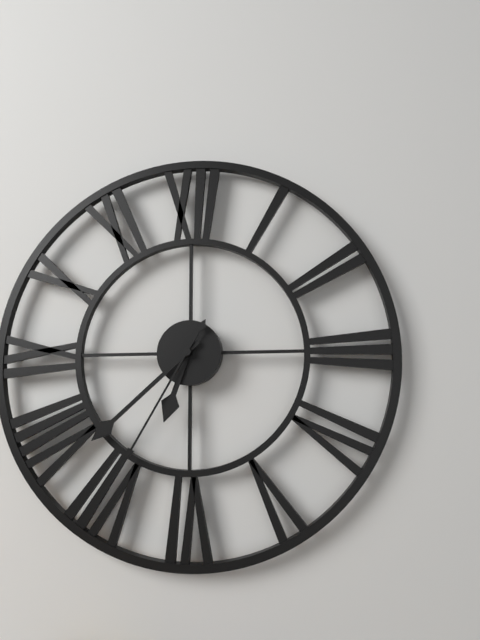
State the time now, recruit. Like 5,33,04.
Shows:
6,38,35
